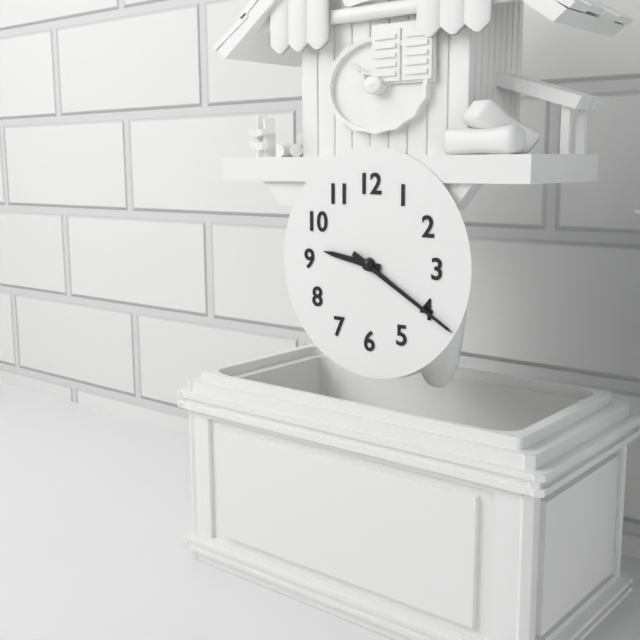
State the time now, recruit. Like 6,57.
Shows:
9,20
